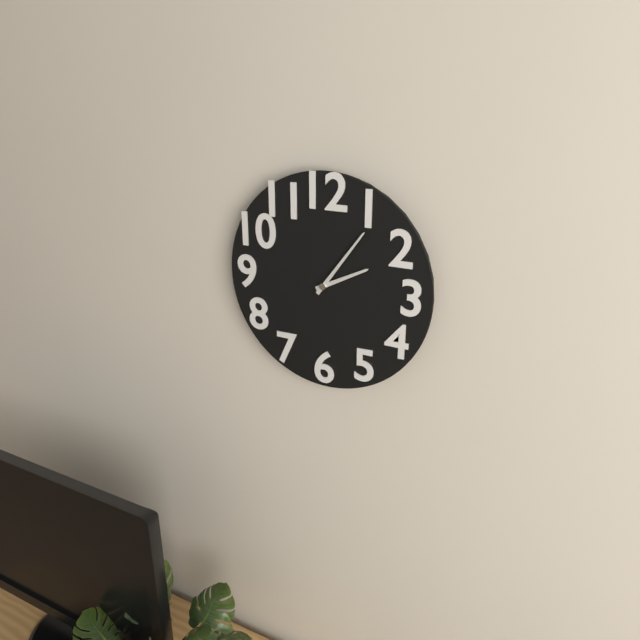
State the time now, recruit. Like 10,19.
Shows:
2,06
